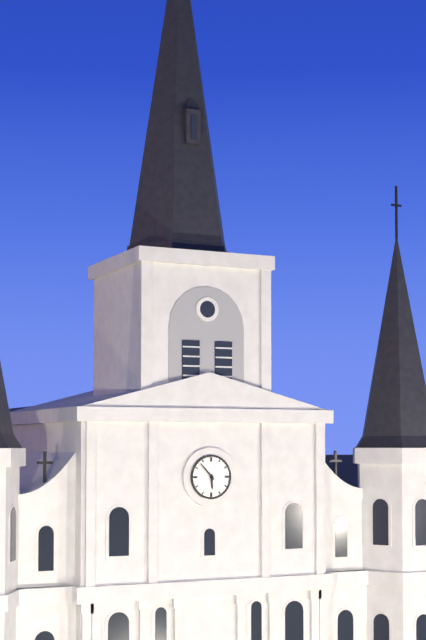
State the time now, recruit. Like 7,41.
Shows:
5,53
